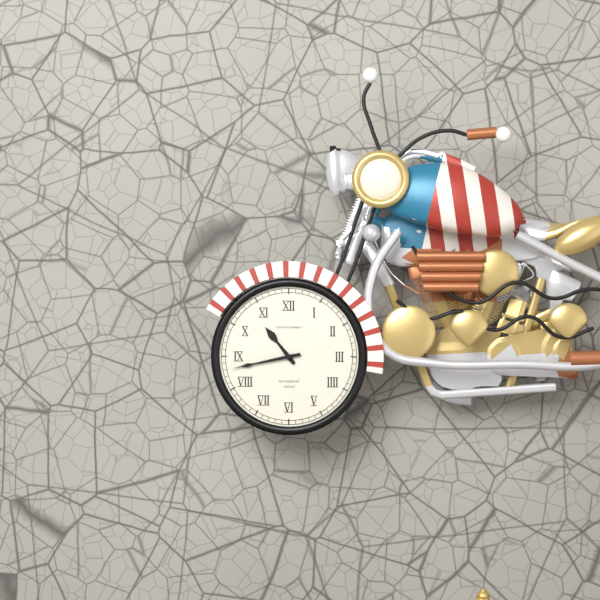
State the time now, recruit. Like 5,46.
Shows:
10,43
